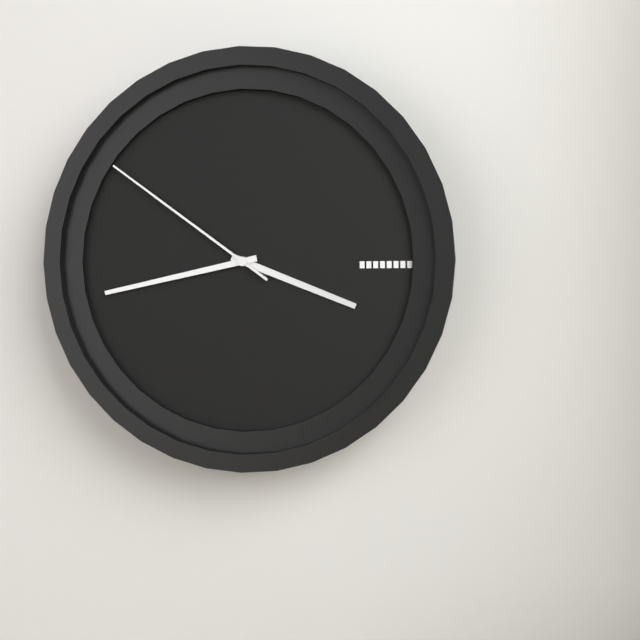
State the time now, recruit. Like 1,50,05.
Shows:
3,43,51
